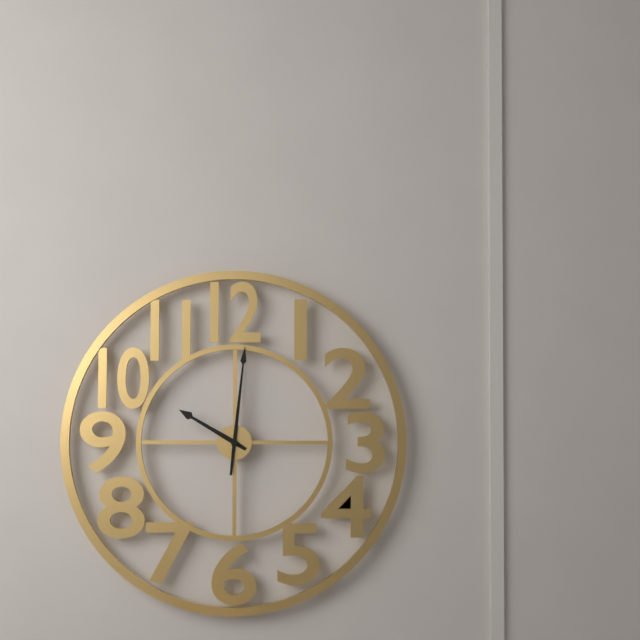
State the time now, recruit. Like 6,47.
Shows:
10,01
